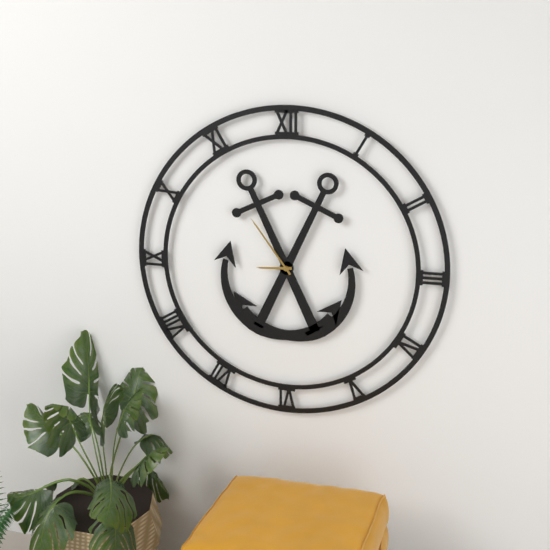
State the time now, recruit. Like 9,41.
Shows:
8,54
